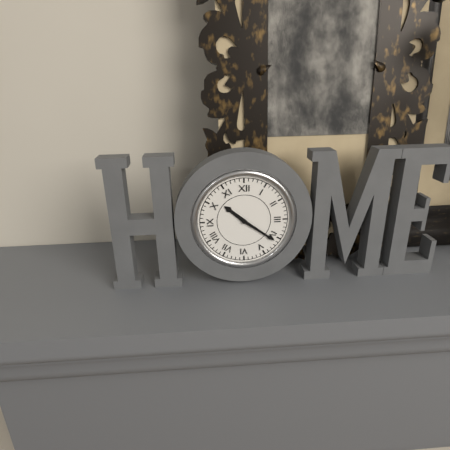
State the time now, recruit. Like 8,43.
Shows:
10,21
